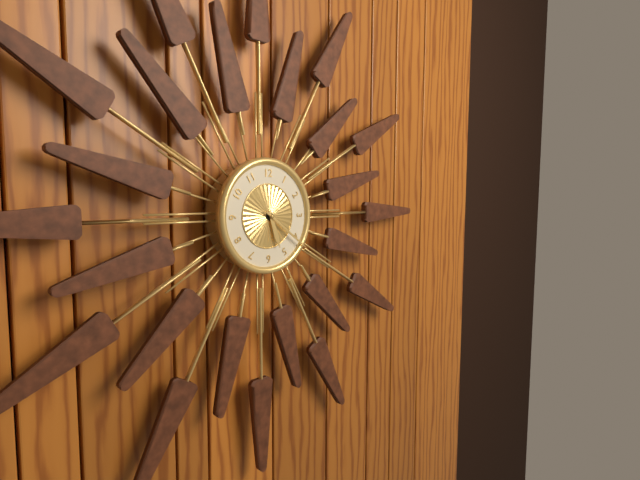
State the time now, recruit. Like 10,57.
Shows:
5,21
